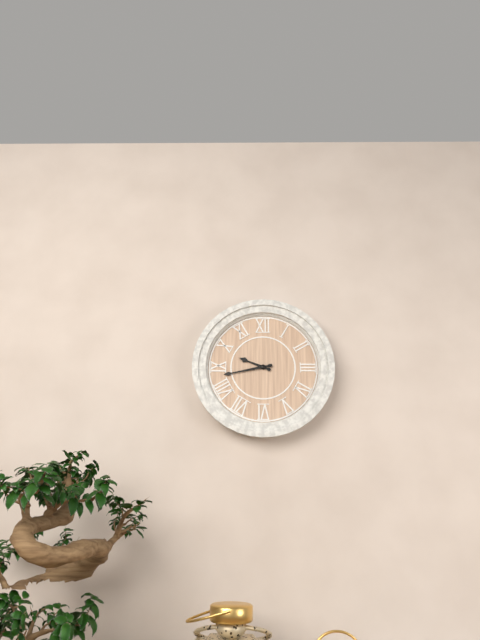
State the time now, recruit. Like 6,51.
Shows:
9,43
